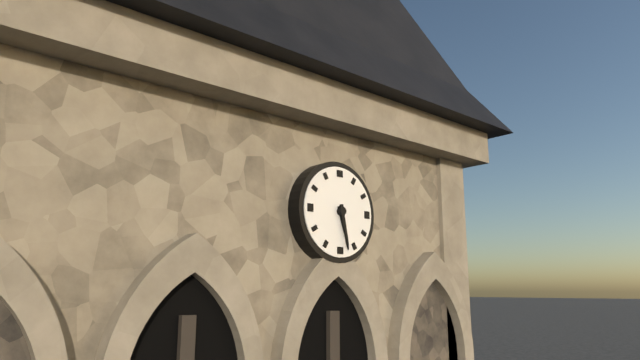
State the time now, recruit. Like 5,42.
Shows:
5,28
